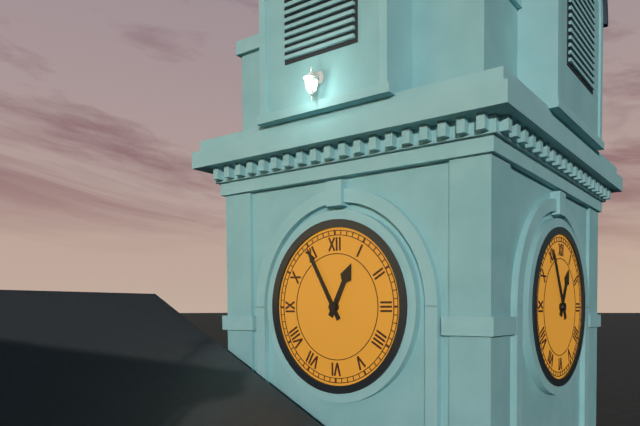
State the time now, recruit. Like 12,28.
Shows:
12,55
